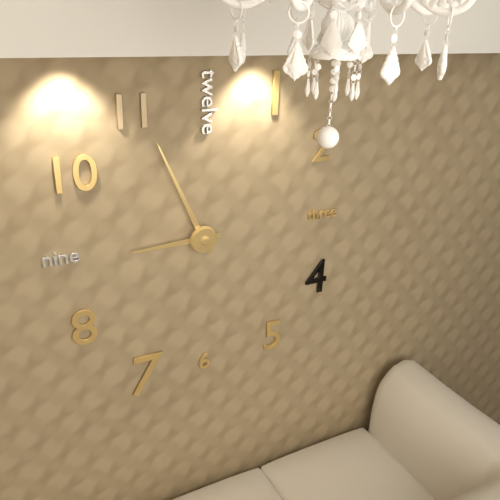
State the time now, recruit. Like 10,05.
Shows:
8,56
